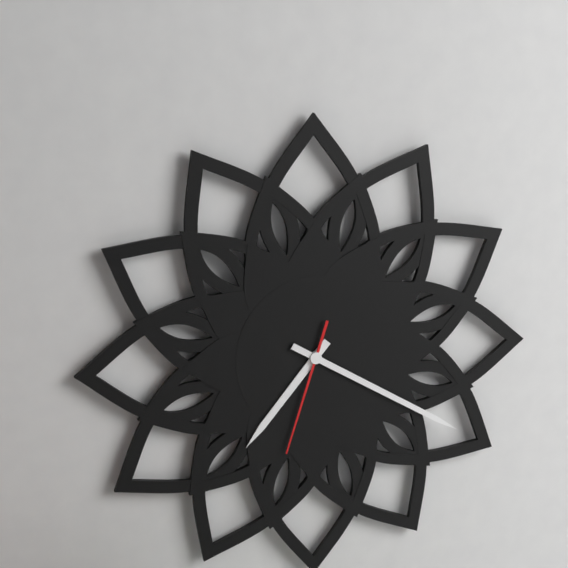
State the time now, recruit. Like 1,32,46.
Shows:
7,20,33
